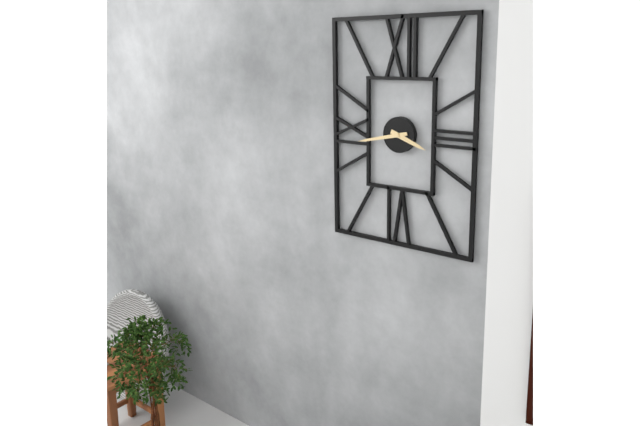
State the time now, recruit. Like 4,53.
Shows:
3,43
